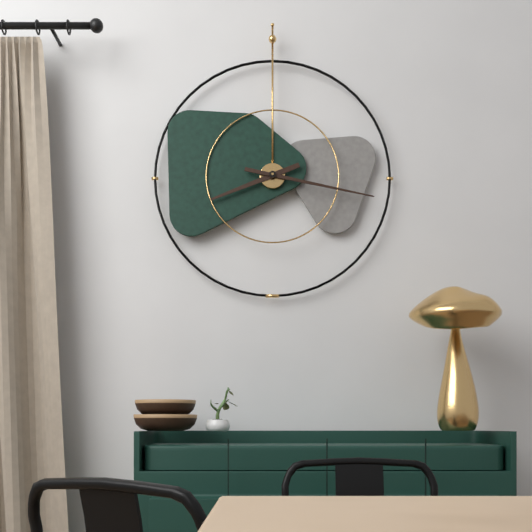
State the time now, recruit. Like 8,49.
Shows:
8,17
